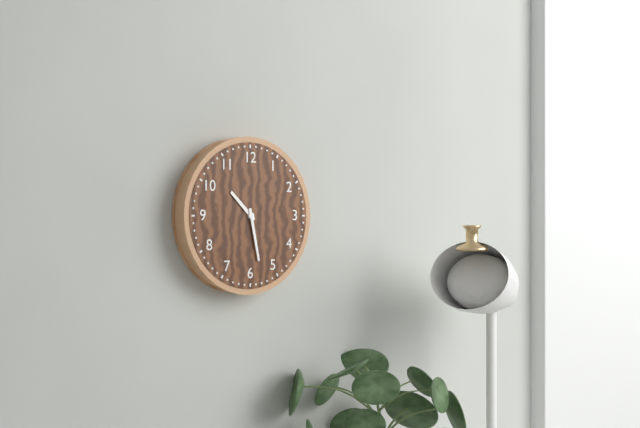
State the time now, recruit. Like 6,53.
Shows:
10,28
